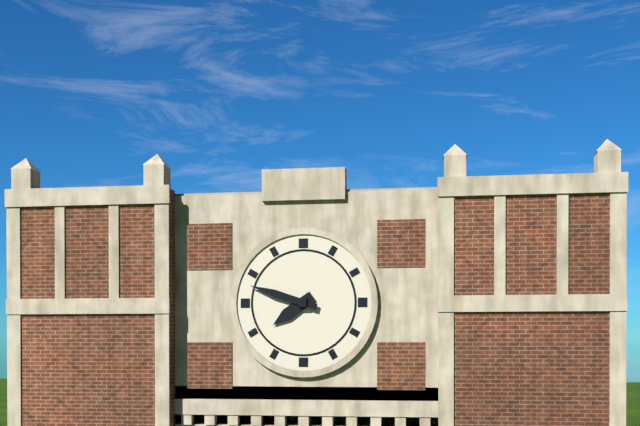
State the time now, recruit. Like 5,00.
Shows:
7,48
